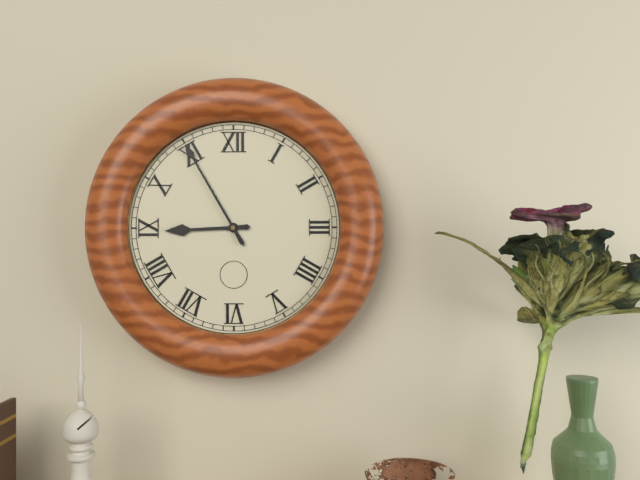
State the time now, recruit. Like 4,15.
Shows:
8,55
